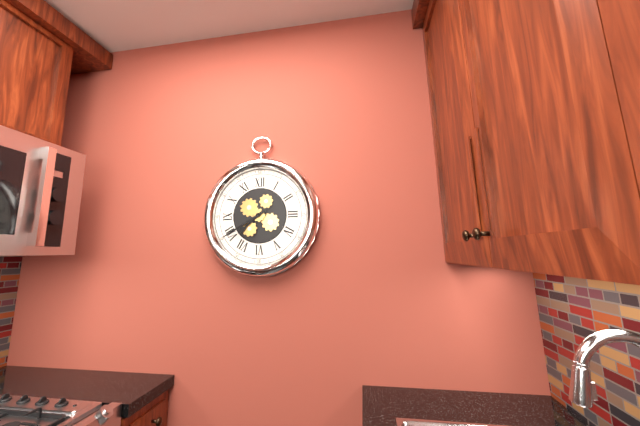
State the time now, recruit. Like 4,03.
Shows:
7,40
